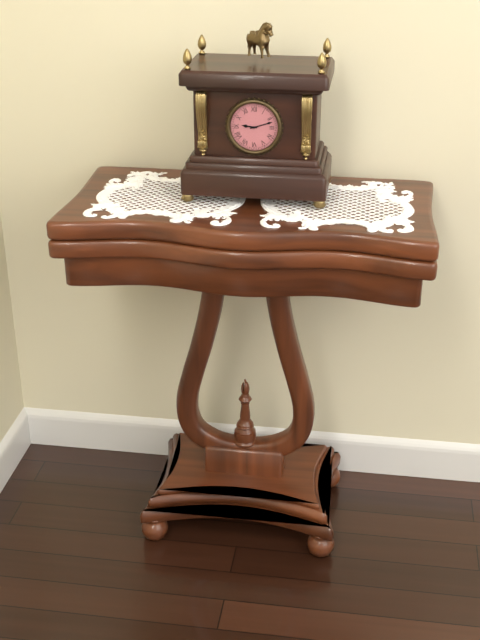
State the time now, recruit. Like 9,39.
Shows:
9,12
